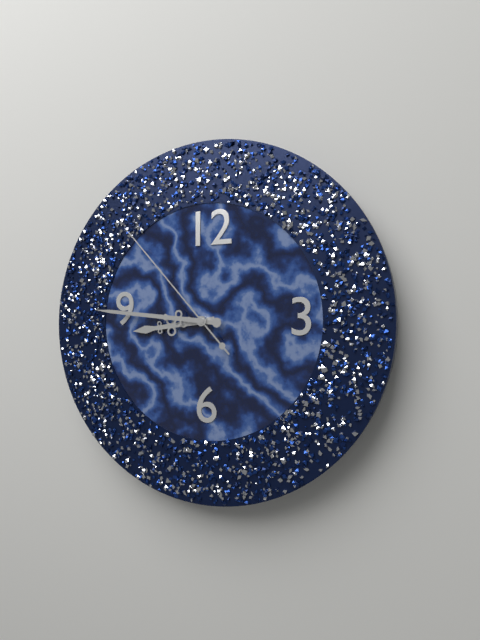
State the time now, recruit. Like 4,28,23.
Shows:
8,46,53
